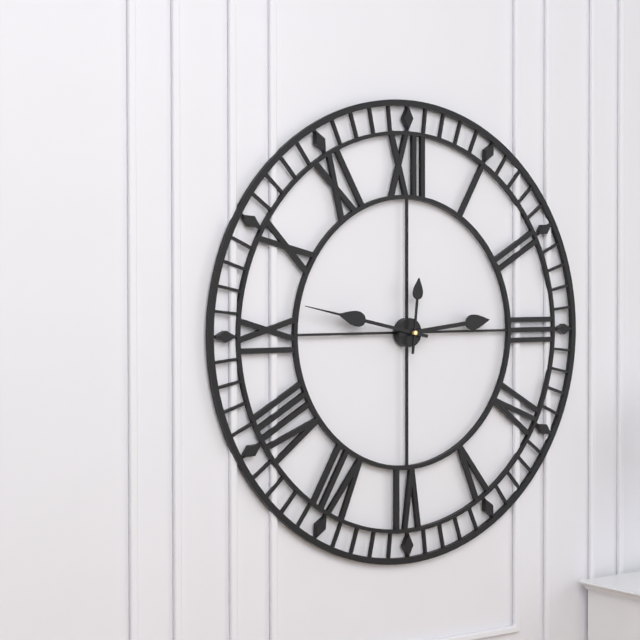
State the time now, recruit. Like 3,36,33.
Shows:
2,47,01
